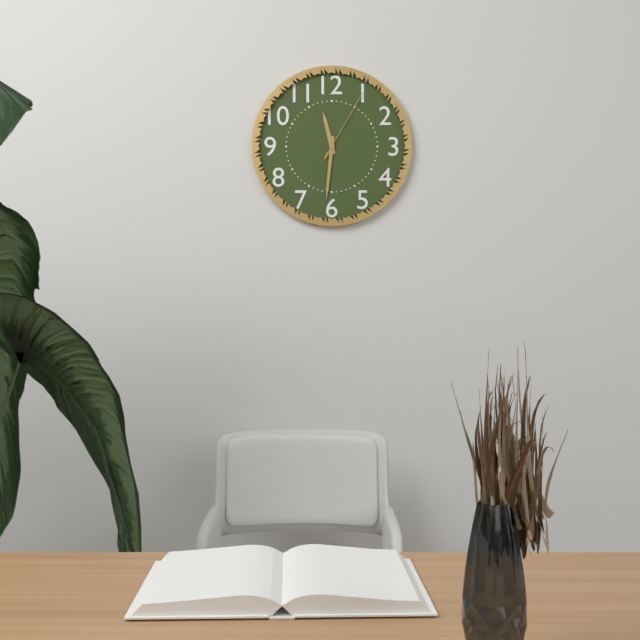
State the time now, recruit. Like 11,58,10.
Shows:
11,31,05
